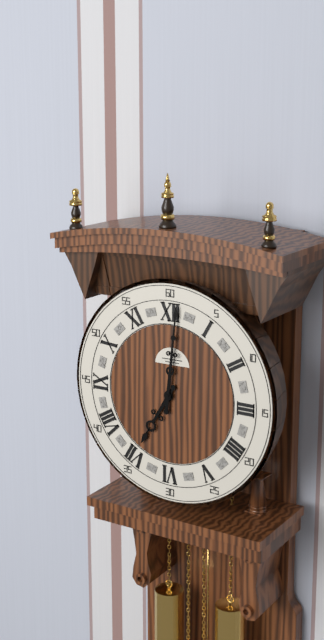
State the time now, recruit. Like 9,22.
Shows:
7,01
